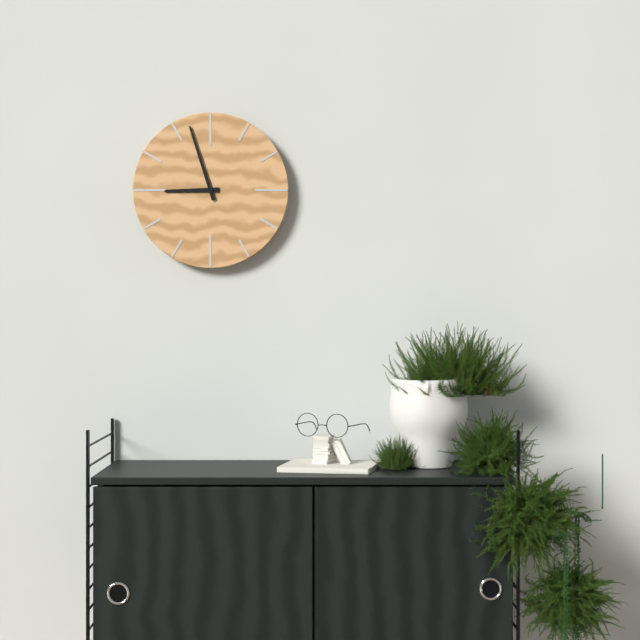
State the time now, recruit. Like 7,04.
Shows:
8,57
